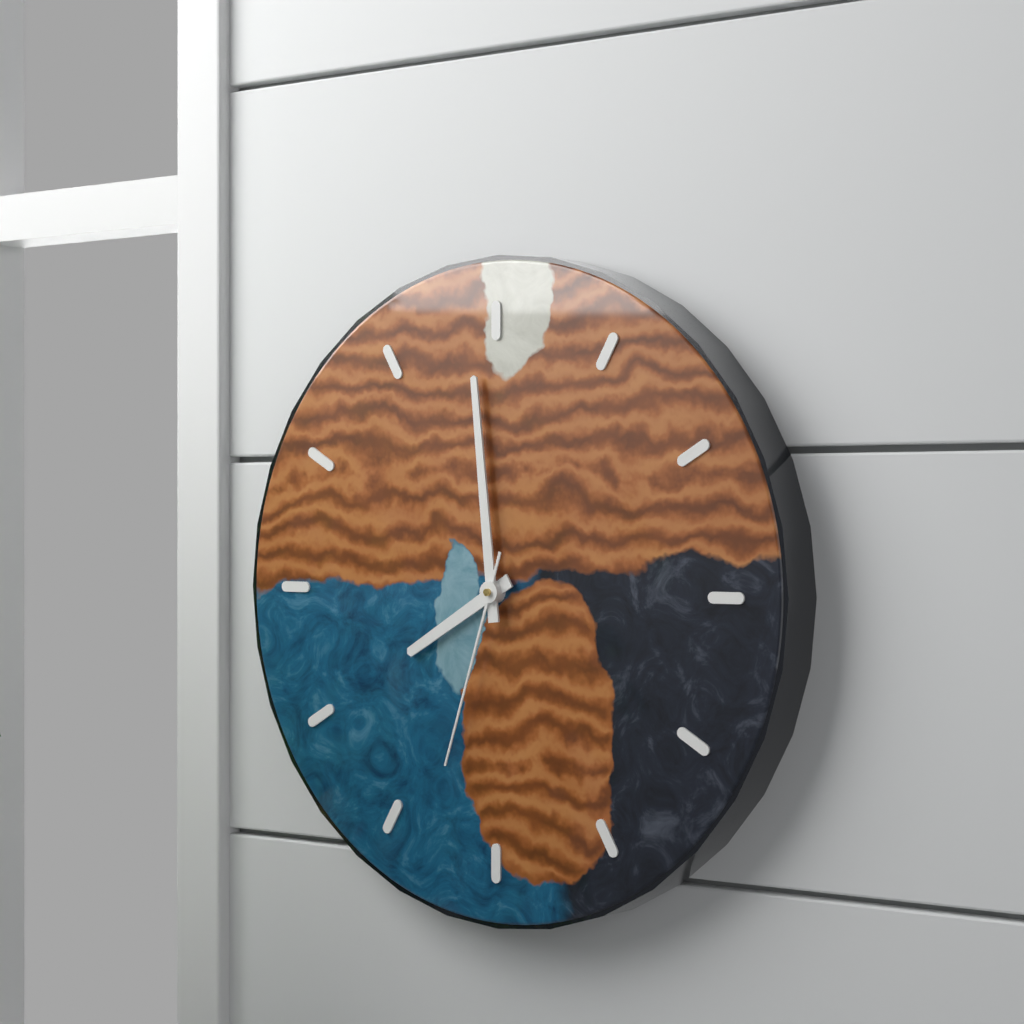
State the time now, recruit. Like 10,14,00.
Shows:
7,59,33
